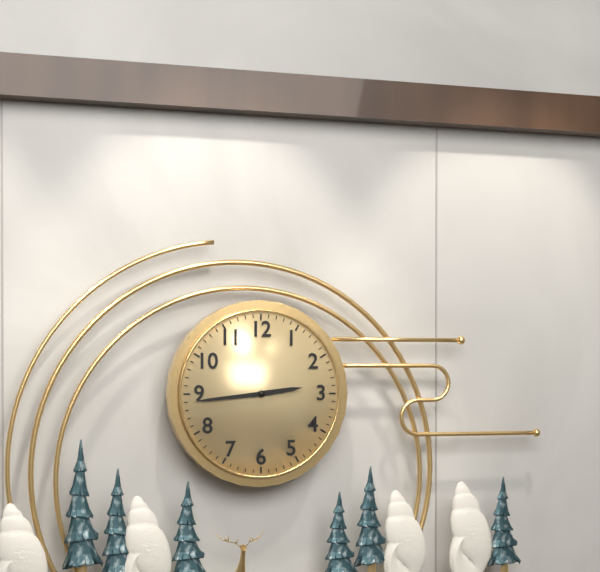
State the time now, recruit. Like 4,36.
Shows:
2,44
